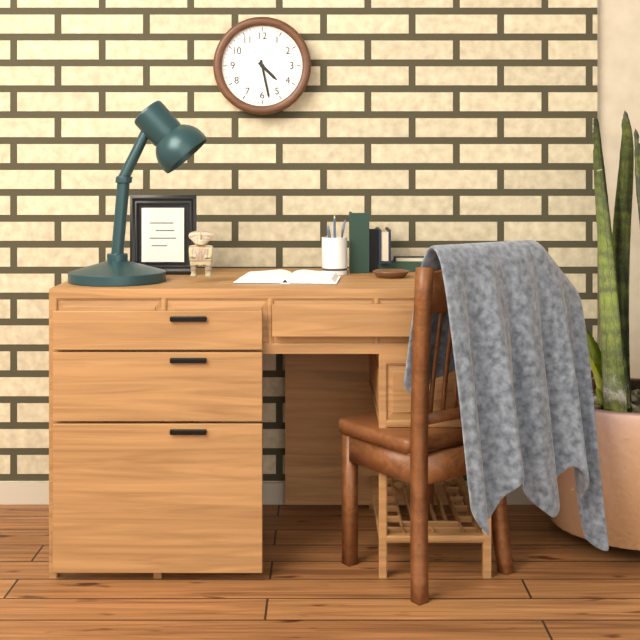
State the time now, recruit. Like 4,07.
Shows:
4,28
